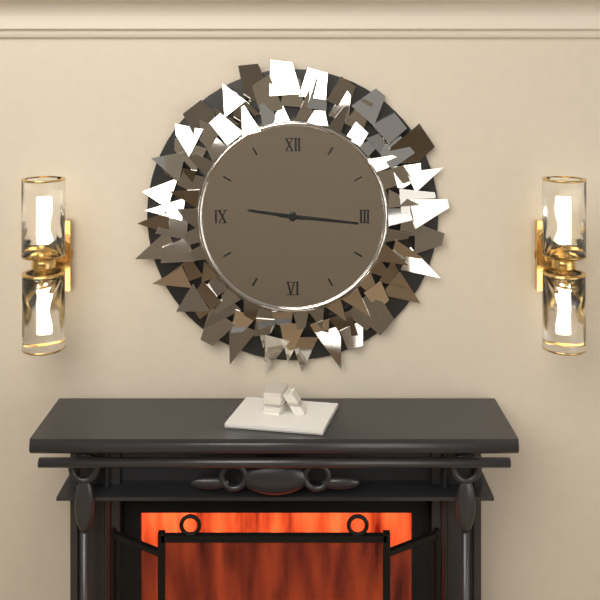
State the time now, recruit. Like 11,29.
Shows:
9,16
